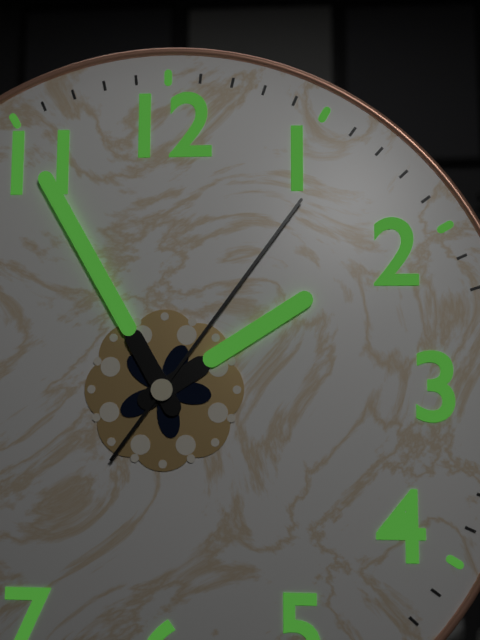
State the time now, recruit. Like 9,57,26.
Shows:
1,55,06
